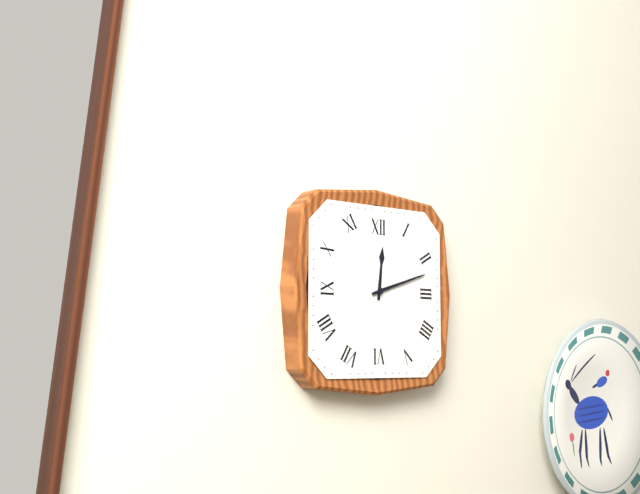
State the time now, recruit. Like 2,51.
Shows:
12,12
